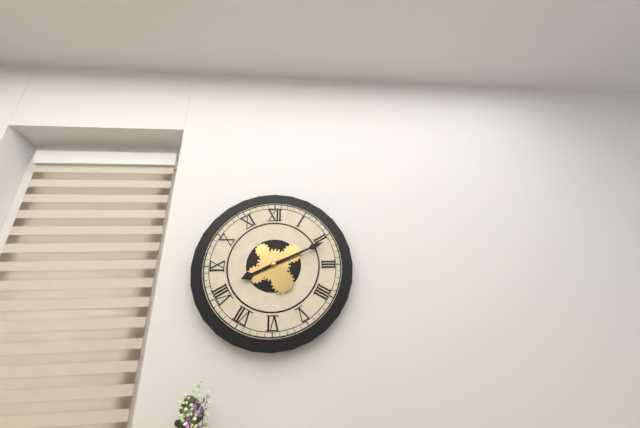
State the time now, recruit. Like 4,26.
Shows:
8,11
